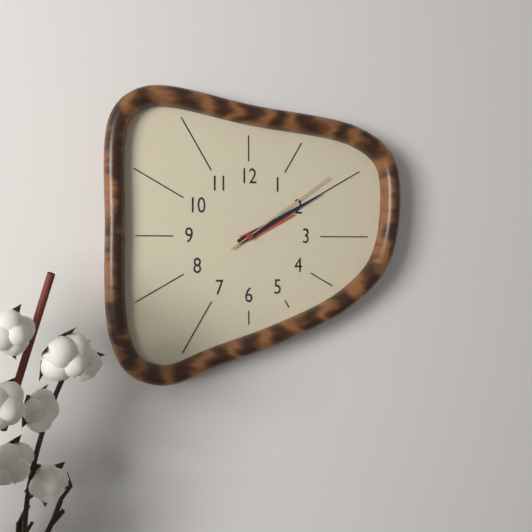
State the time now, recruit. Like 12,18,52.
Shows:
2,10,09
